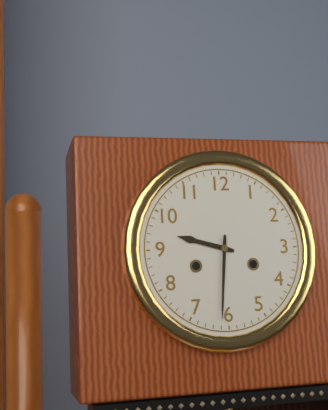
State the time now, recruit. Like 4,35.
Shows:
9,31
